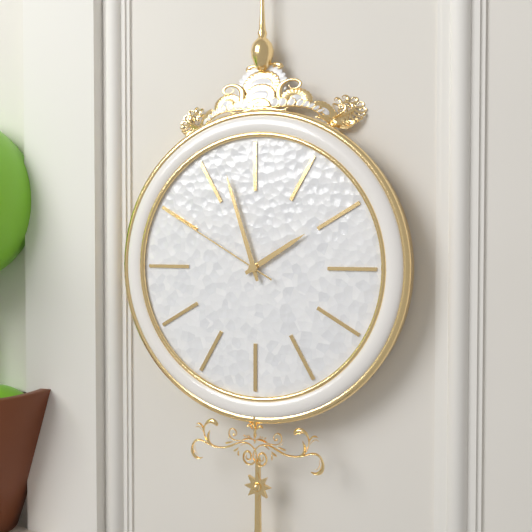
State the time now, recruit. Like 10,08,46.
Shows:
1,57,50
